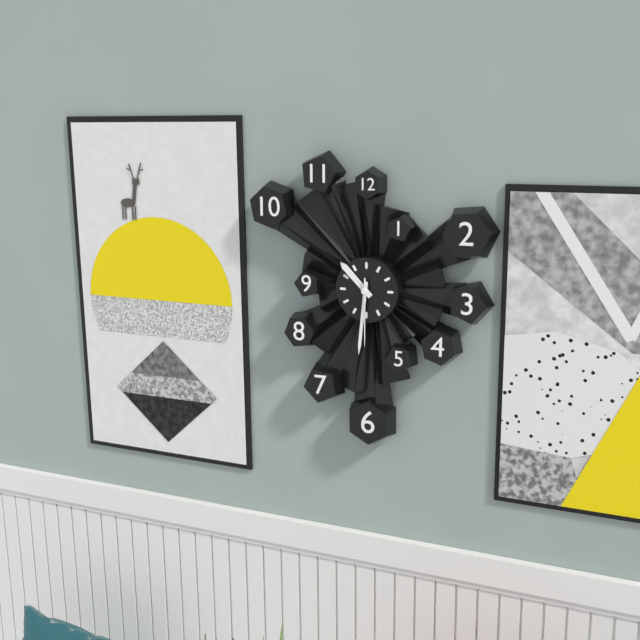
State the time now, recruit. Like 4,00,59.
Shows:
10,31,30
